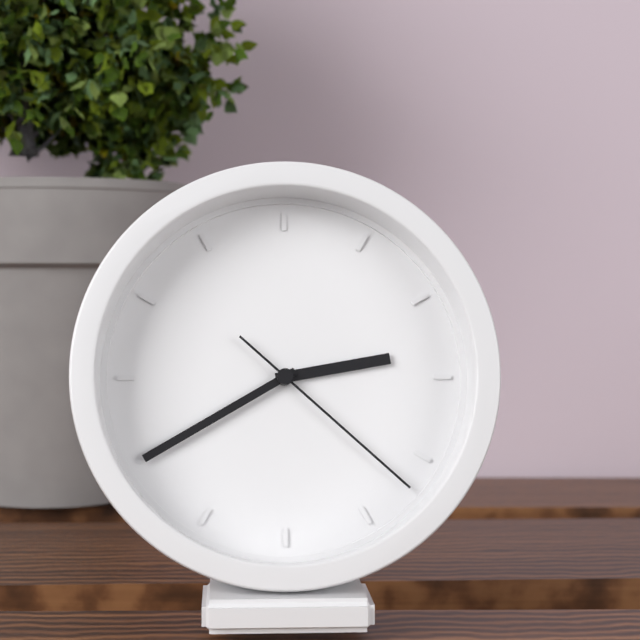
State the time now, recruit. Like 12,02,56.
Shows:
2,40,22
